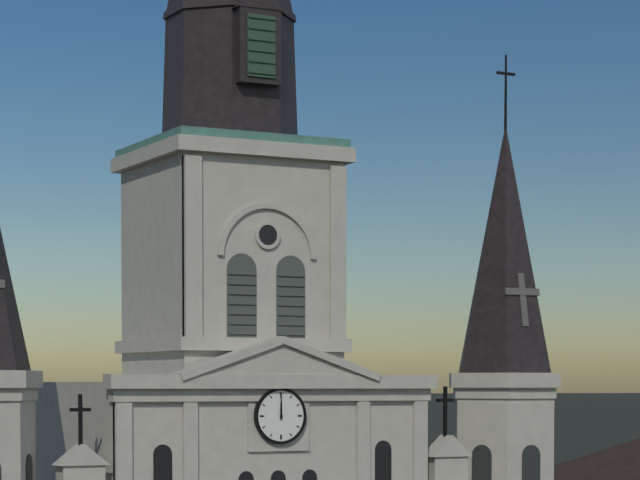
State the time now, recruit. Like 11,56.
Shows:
12,00
